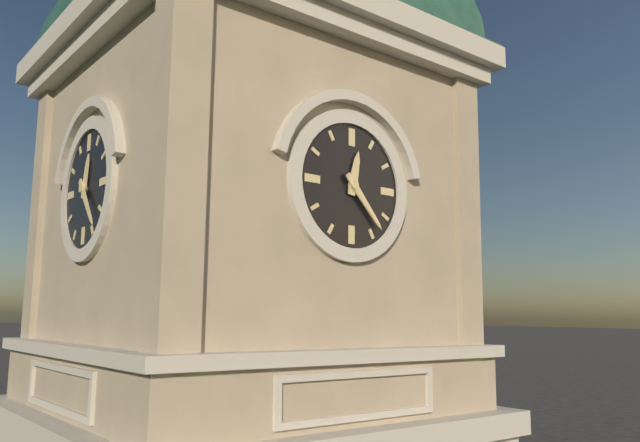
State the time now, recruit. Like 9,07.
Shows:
12,23
